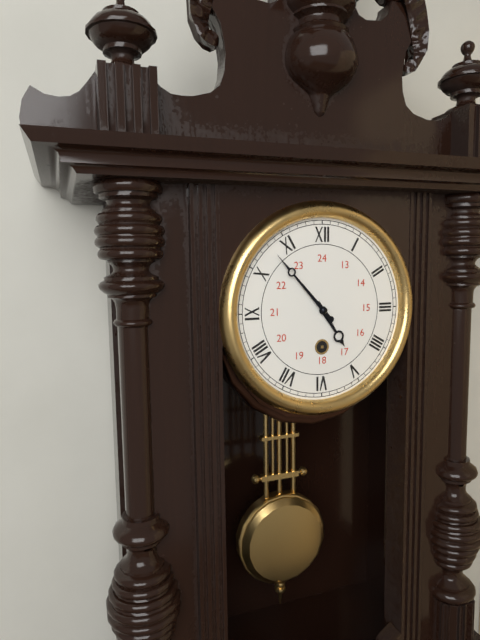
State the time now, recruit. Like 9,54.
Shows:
4,53
